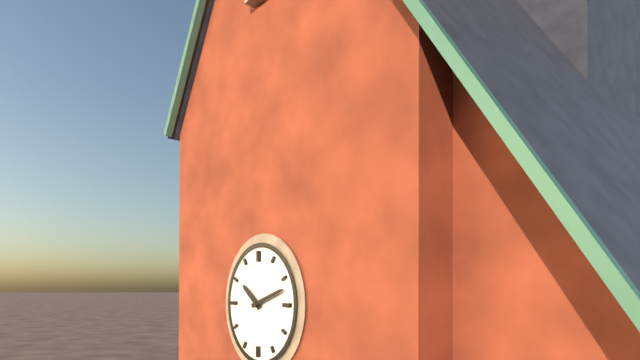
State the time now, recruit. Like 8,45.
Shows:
10,12
